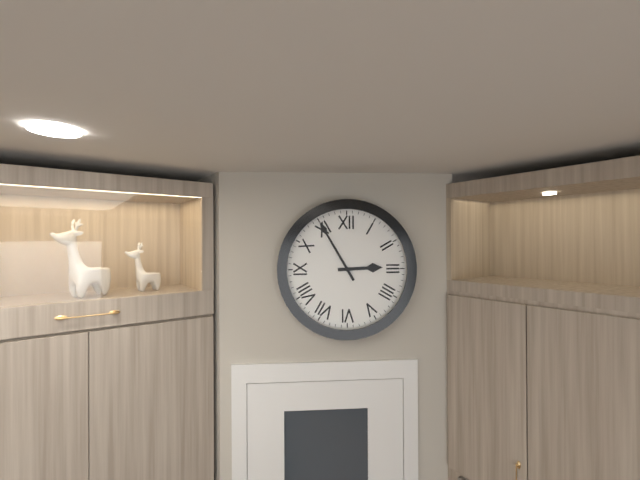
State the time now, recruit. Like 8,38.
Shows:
2,55
